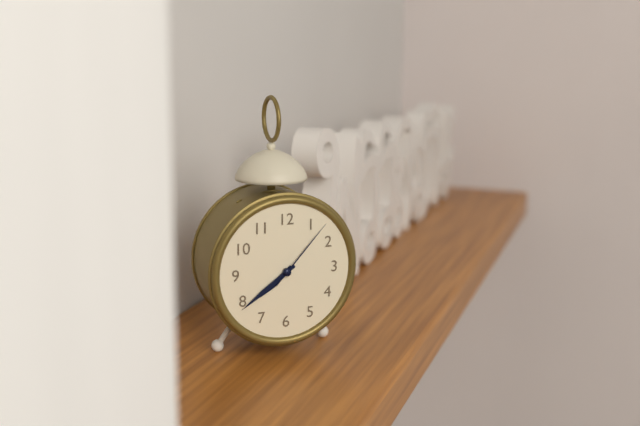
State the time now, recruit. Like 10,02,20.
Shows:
7,39,07
